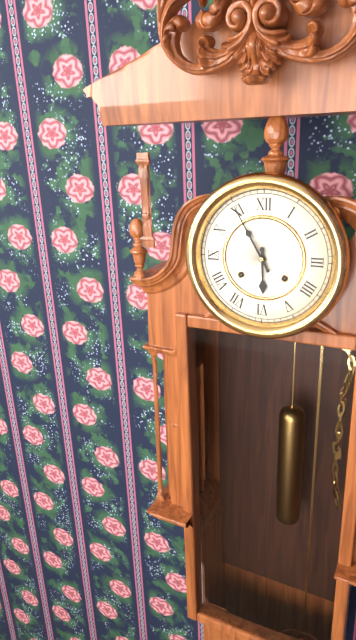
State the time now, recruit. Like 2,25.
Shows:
5,55
